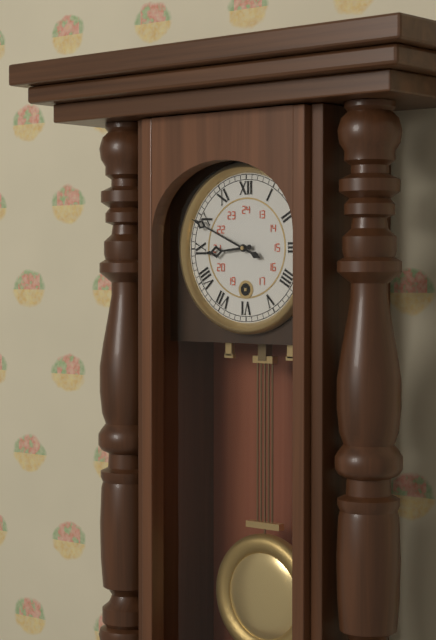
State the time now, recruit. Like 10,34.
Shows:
8,49
